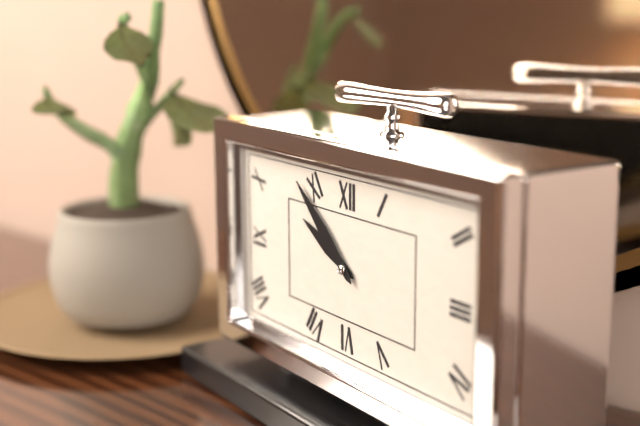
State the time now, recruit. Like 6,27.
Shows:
9,52
